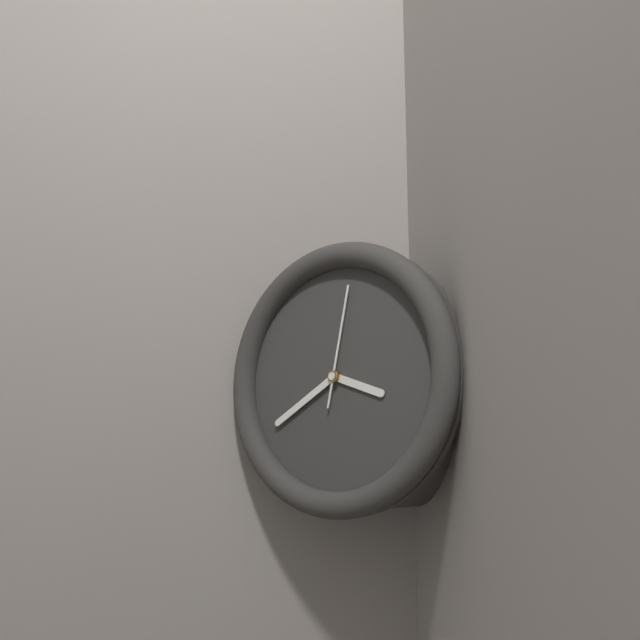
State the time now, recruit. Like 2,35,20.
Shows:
3,40,02
